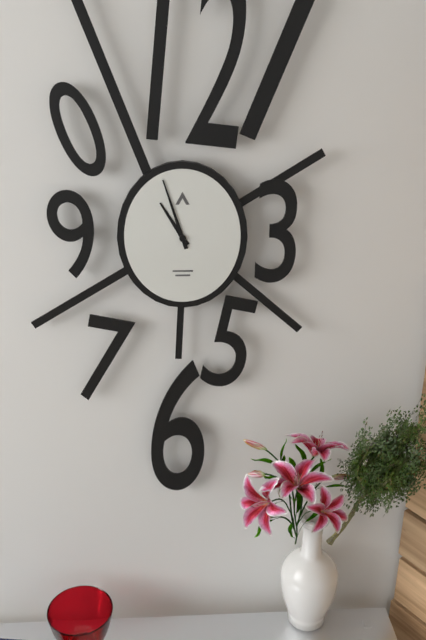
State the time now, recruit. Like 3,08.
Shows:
10,57
